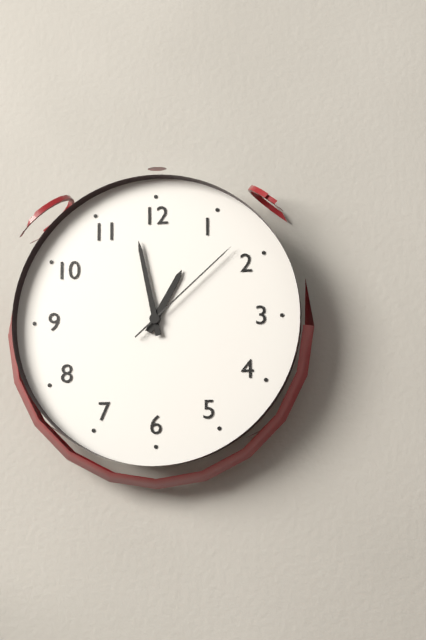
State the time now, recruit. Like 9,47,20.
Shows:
12,58,08
